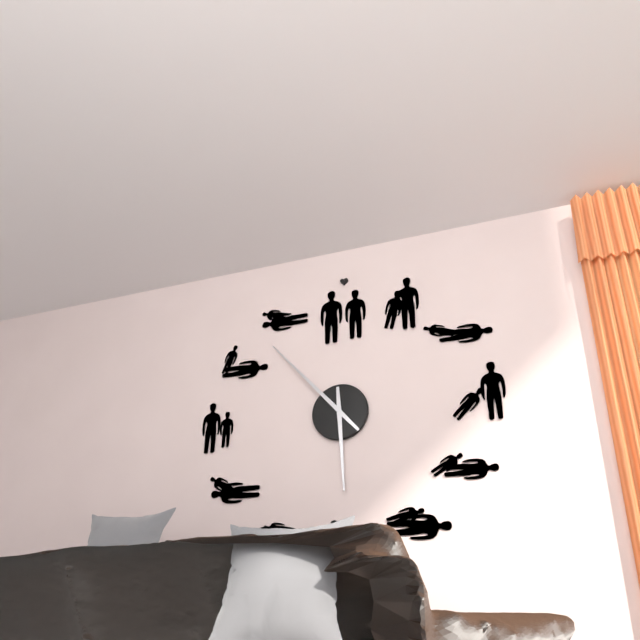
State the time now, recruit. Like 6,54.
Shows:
5,53
